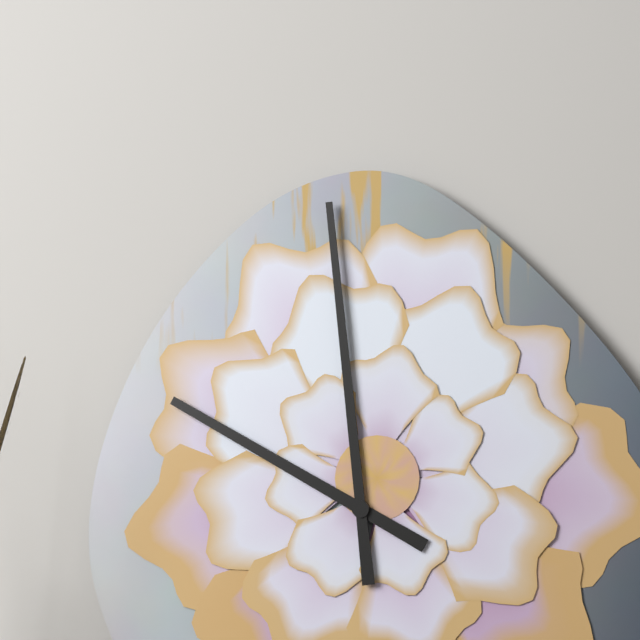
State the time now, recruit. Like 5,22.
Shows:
9,59
